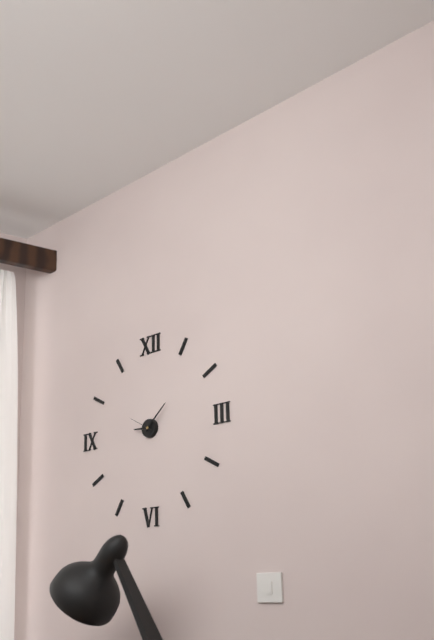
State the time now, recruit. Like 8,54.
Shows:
9,08
